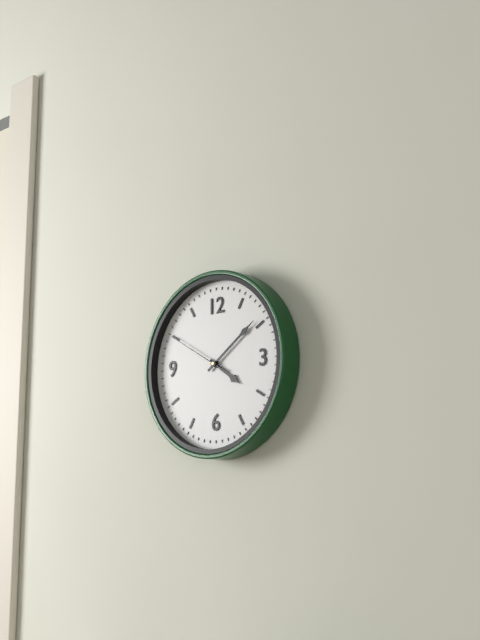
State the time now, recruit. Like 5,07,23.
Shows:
4,09,50
